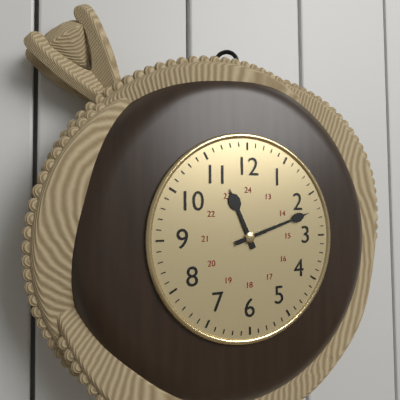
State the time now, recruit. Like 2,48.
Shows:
11,12
